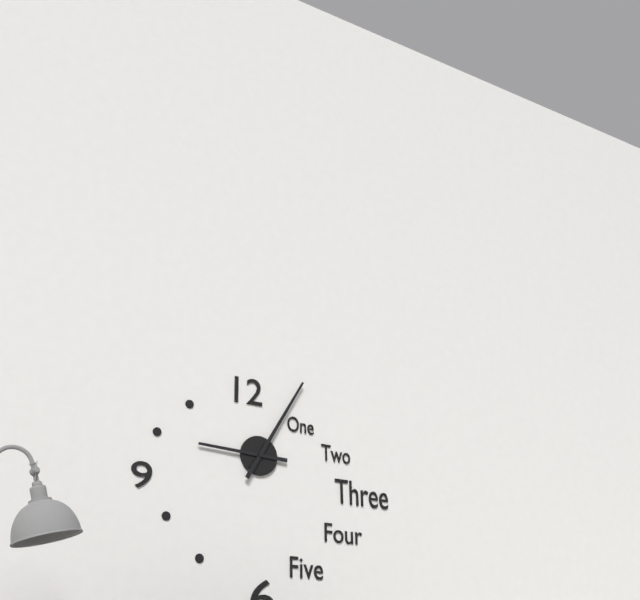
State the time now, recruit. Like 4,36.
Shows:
9,05
